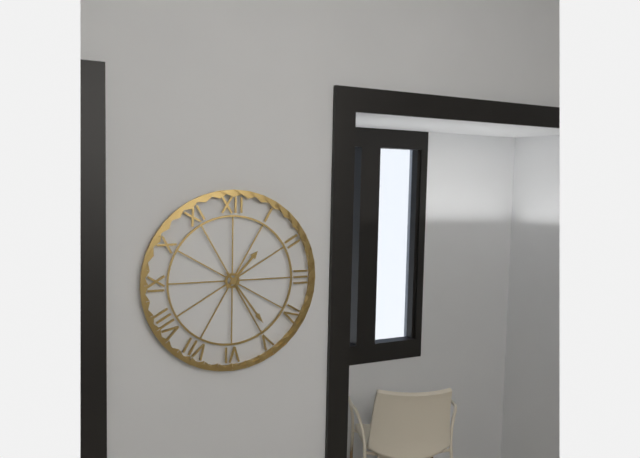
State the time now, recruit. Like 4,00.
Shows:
1,24
